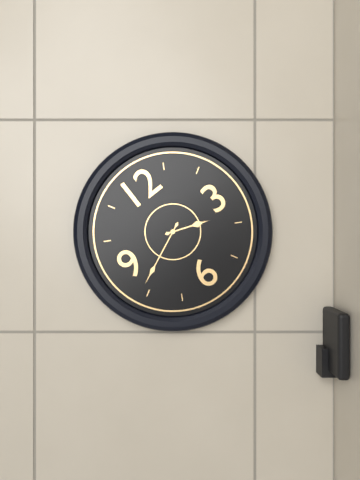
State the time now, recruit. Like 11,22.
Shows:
3,41
